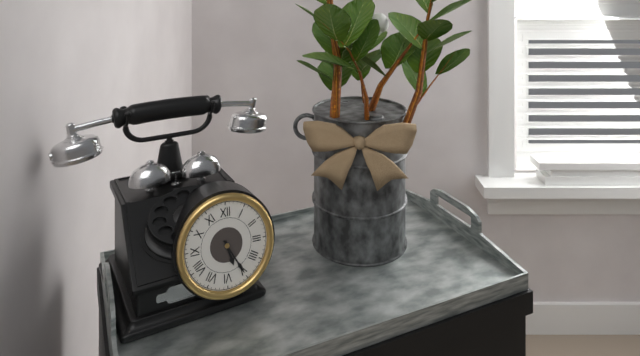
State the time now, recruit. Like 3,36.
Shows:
5,25
